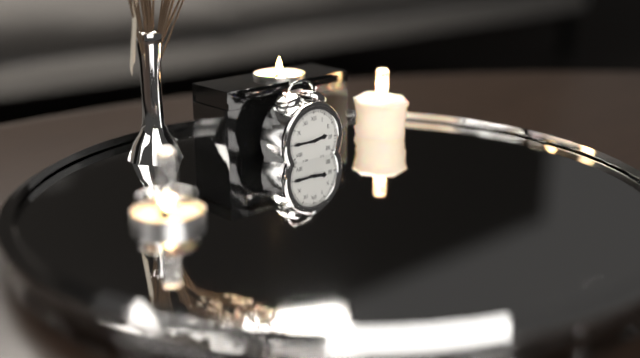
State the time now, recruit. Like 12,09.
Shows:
2,45
